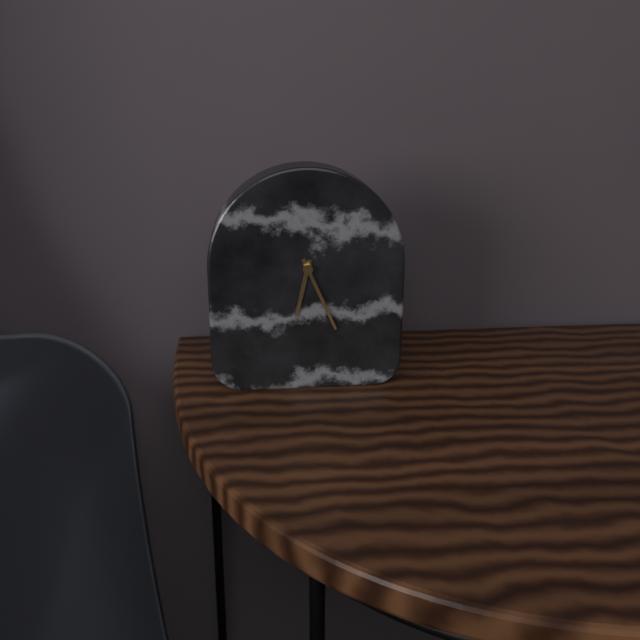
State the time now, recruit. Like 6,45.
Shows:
6,26
